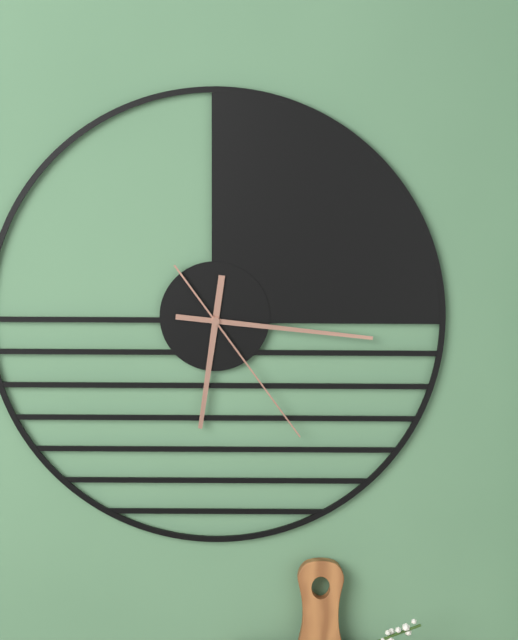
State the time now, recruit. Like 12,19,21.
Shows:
6,16,24
